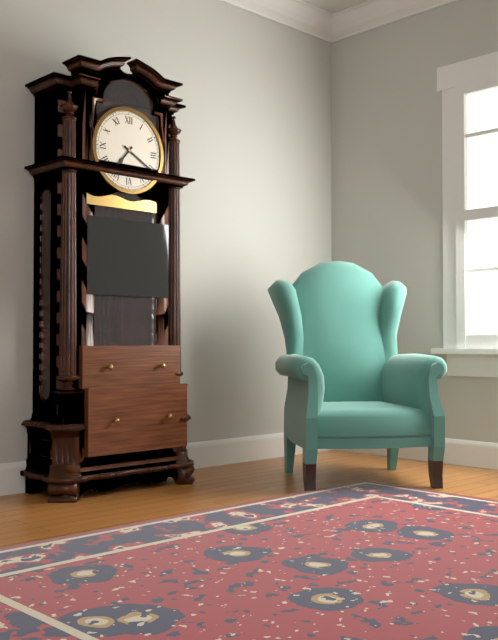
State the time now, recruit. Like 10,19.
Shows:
7,20
